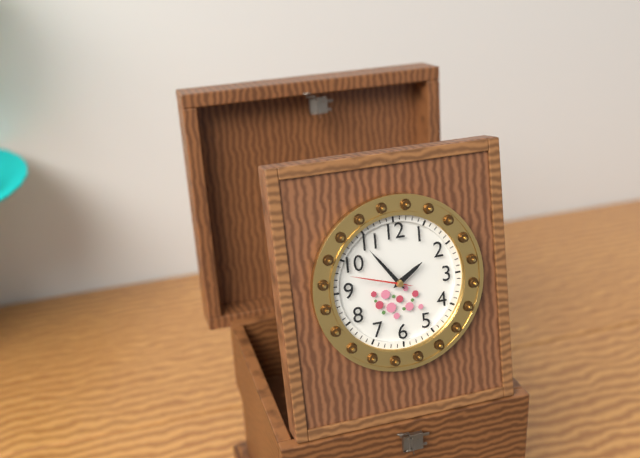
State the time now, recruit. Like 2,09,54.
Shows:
1,54,48
